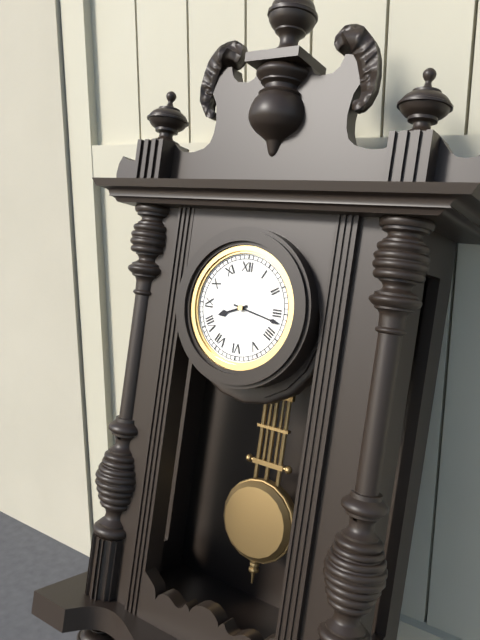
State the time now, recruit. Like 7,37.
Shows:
8,17
